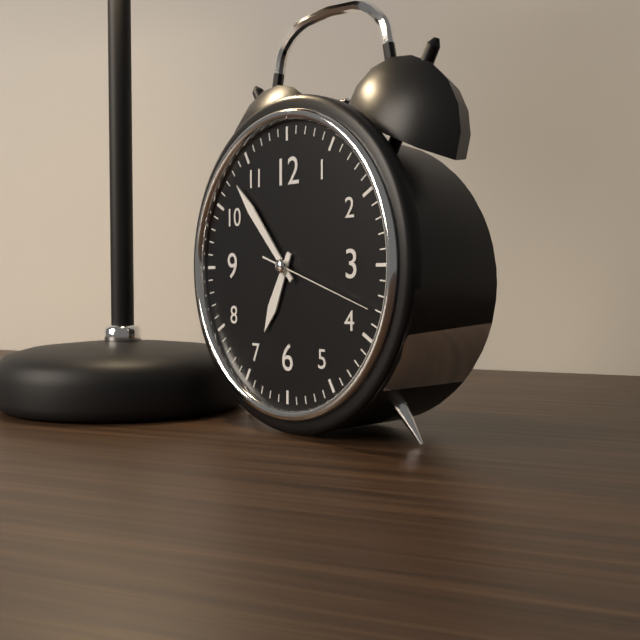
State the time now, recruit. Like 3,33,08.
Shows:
6,53,18
